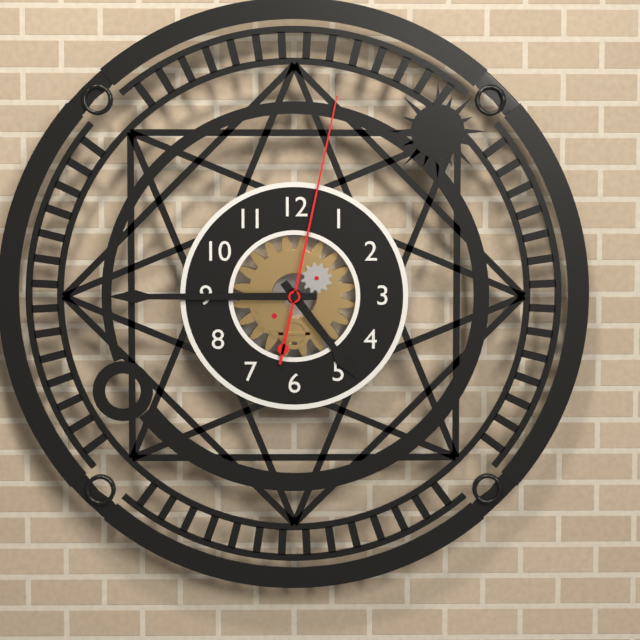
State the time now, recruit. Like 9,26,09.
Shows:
4,45,02
